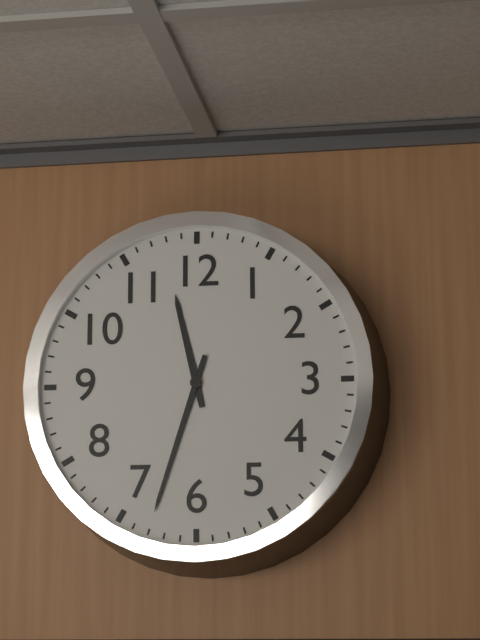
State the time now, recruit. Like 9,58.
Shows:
11,33
